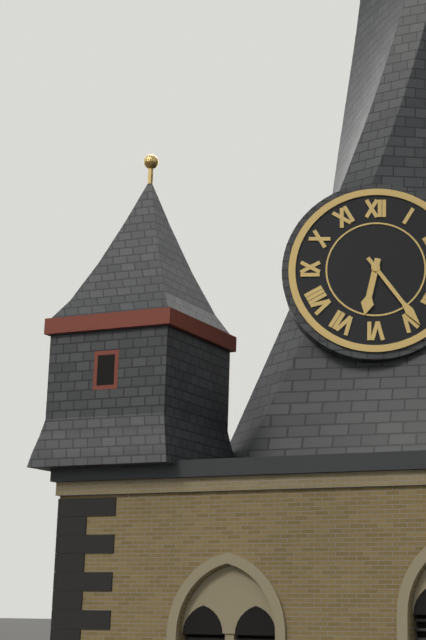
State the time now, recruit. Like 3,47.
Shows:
6,24
